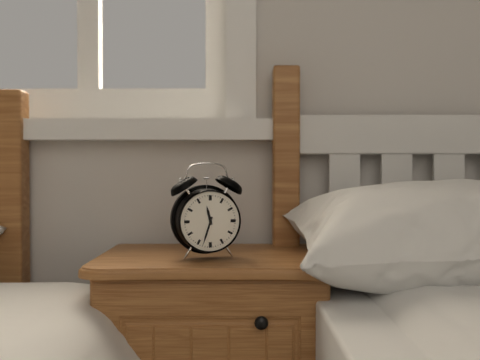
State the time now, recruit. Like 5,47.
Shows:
11,33
